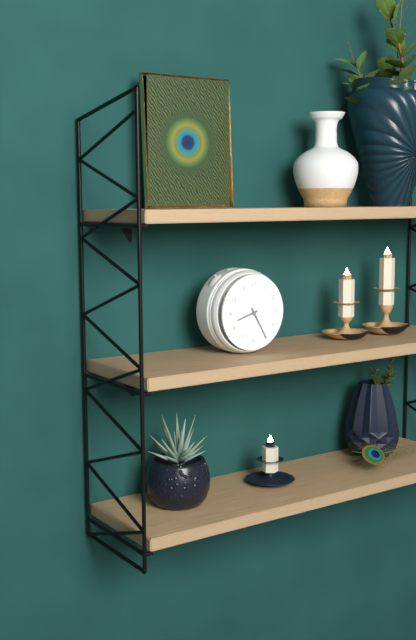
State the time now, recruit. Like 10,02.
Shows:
8,25
